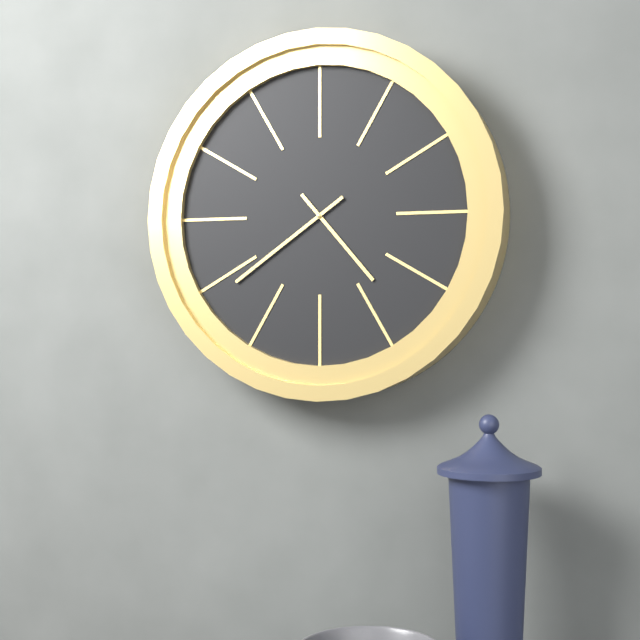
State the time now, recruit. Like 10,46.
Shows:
4,39
